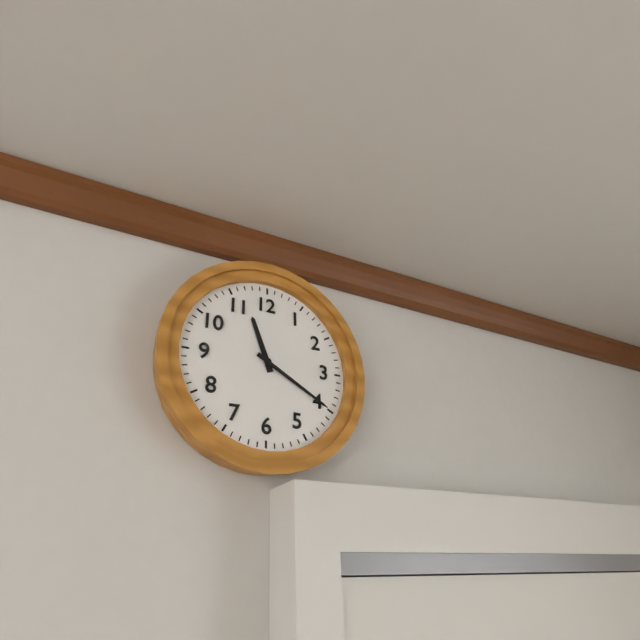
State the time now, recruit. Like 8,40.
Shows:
11,20
